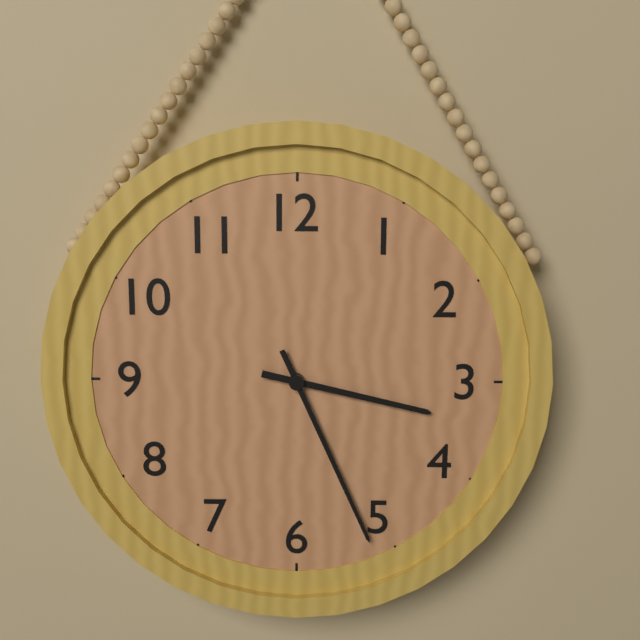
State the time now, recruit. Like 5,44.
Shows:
3,26
